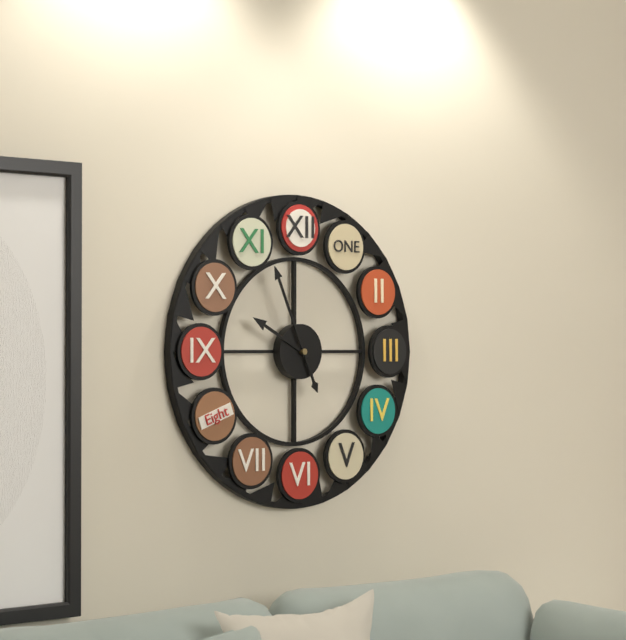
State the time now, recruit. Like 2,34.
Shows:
9,56
